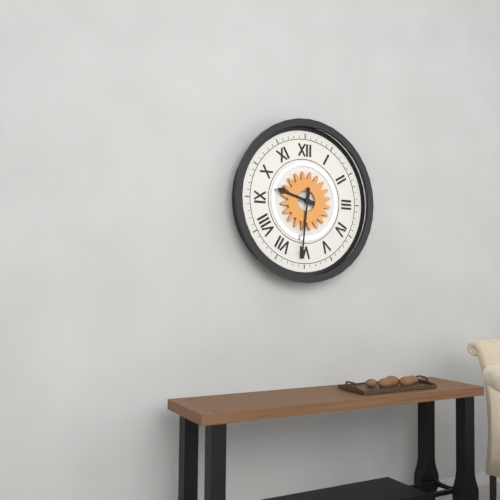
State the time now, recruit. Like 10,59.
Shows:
9,31
